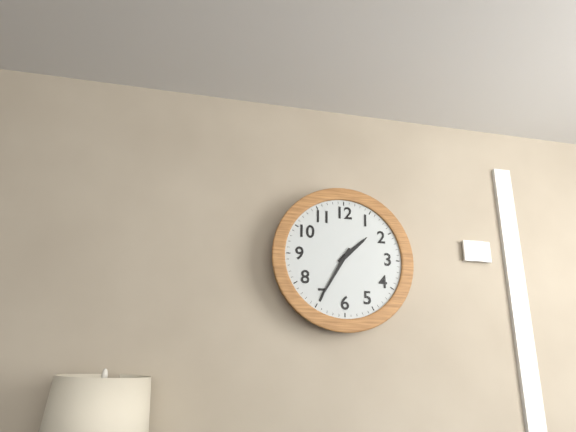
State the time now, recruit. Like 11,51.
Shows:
1,35
